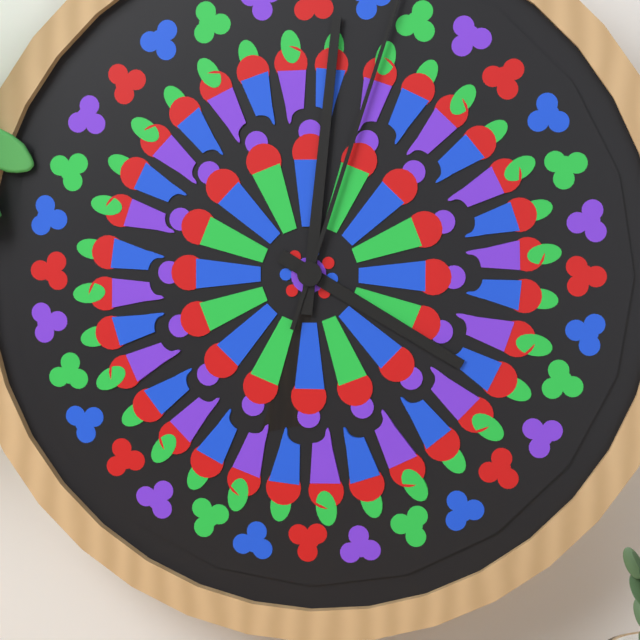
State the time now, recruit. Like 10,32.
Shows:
4,01
